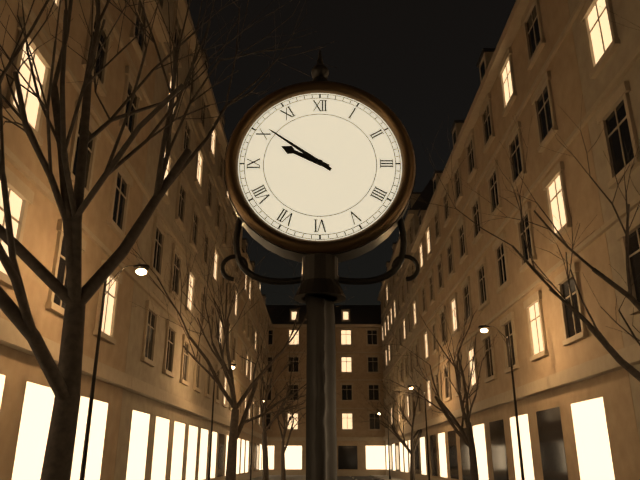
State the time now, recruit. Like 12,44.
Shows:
9,51
